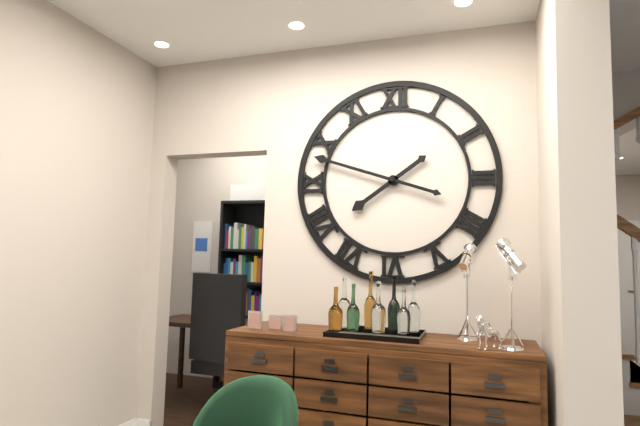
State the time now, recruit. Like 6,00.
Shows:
7,48
